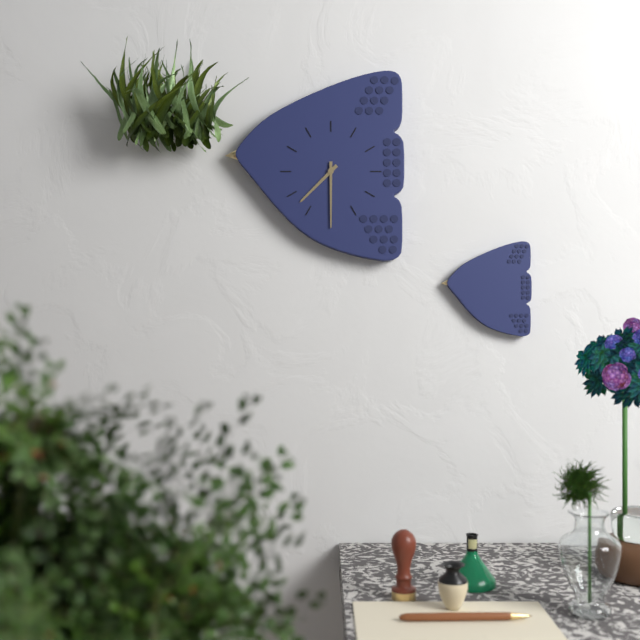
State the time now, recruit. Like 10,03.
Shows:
7,30
